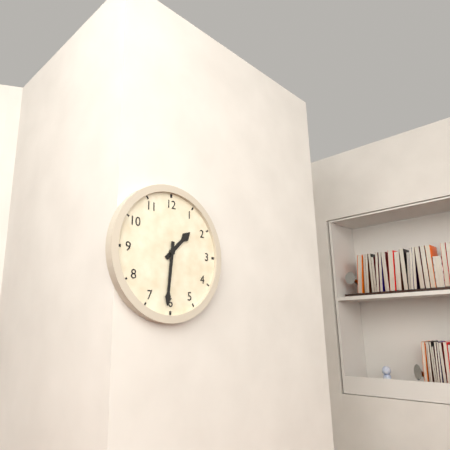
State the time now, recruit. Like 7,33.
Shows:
1,31
